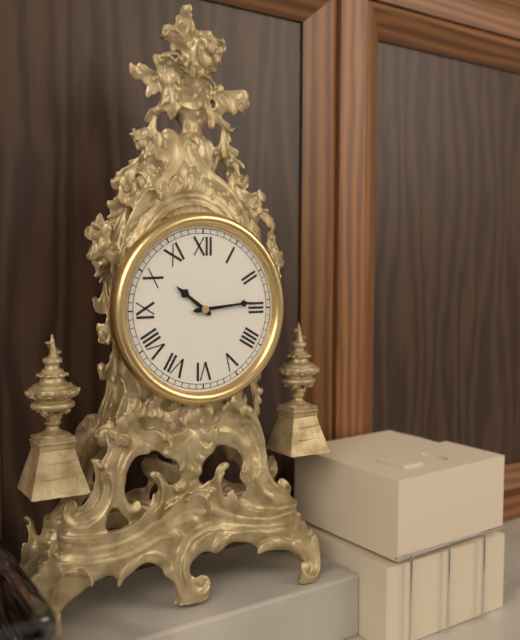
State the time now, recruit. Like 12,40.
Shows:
10,14
